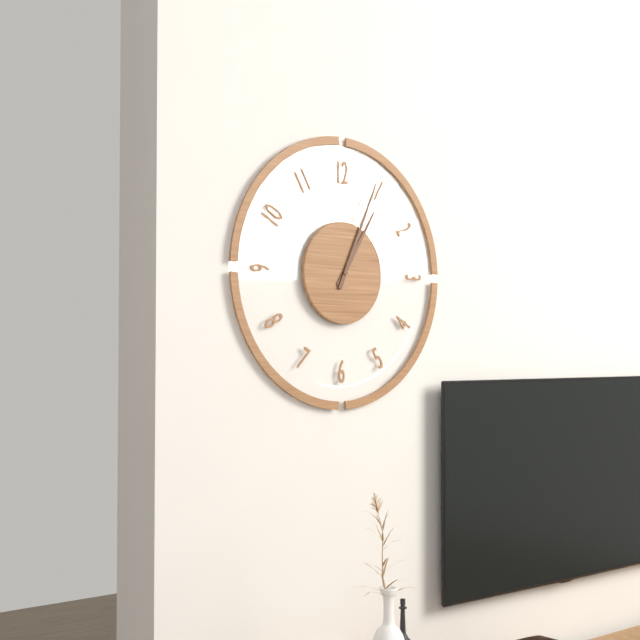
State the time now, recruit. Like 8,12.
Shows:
1,04
